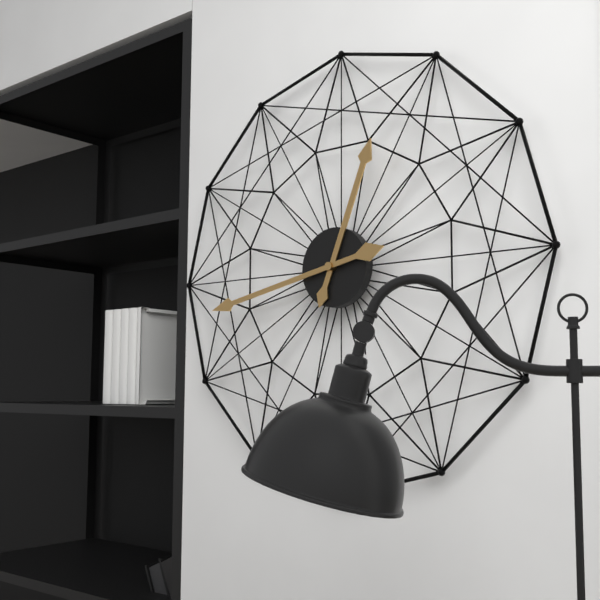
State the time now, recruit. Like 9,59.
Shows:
12,43
